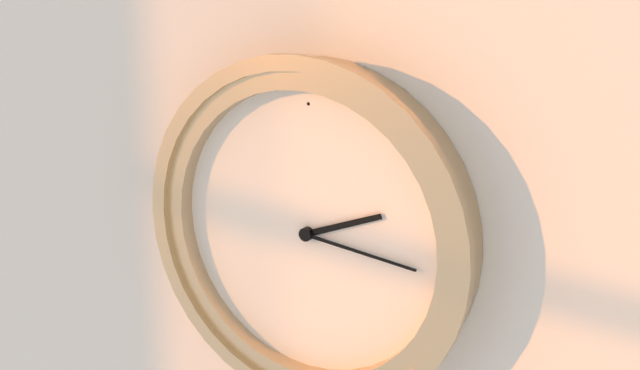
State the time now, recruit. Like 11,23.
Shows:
2,16
